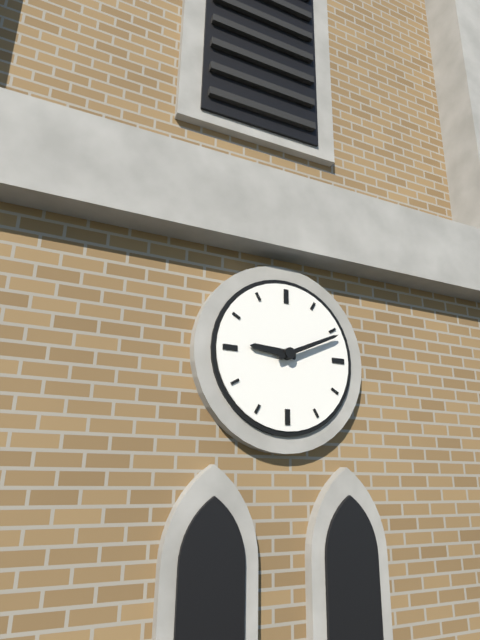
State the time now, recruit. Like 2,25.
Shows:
9,11
